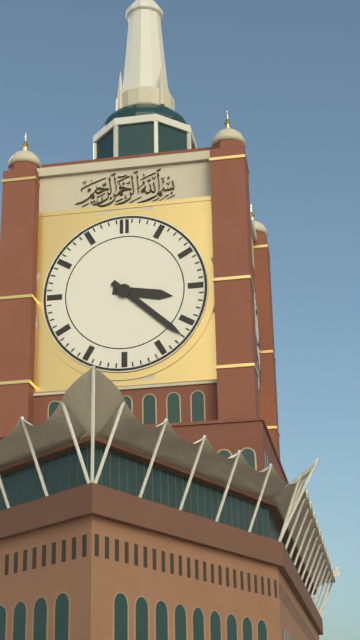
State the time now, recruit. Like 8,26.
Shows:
3,22
